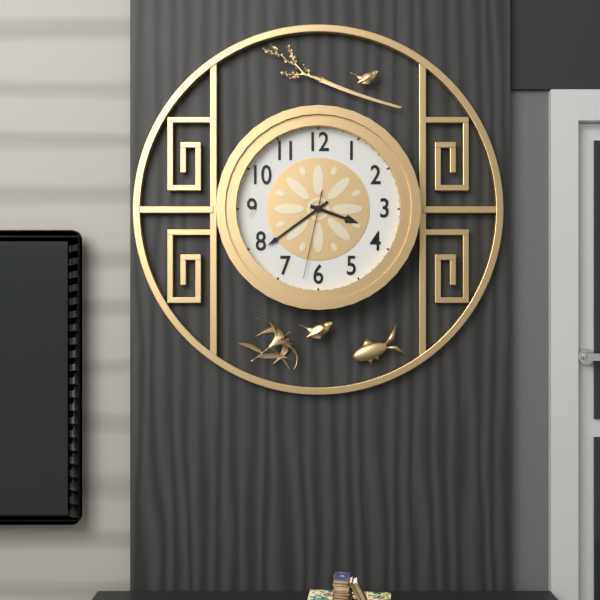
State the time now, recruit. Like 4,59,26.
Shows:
3,39,32
